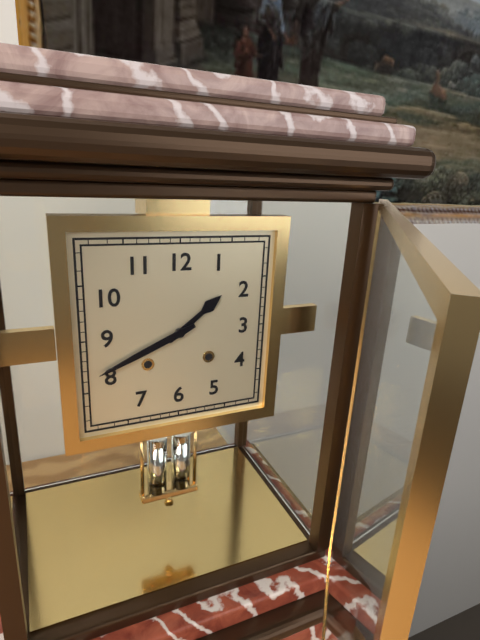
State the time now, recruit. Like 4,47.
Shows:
1,41
